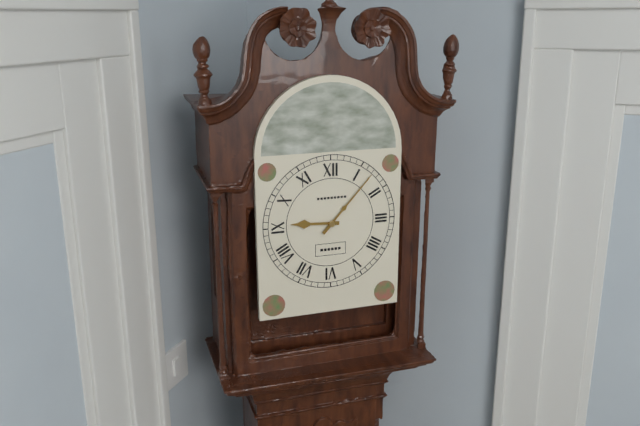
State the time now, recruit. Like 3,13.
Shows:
9,07
